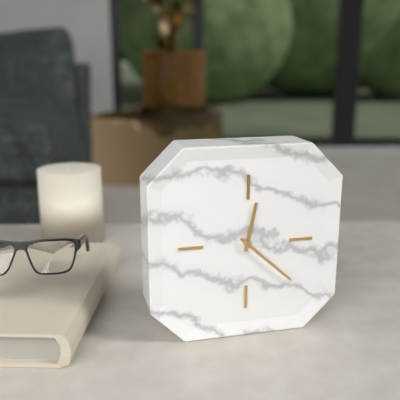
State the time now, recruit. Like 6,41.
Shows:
12,22
